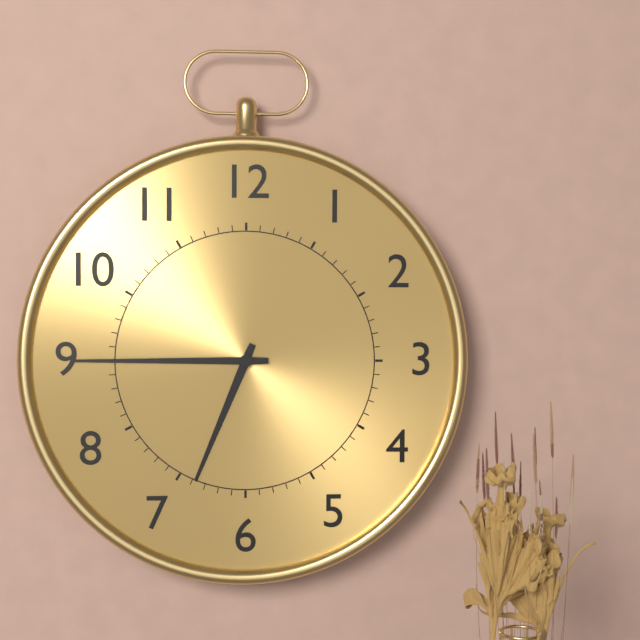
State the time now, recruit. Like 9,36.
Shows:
6,45
